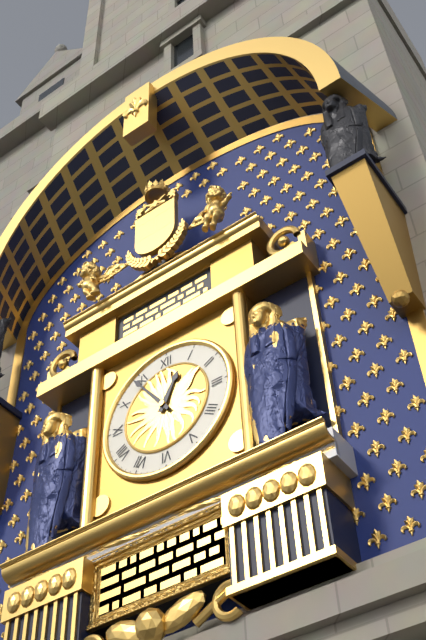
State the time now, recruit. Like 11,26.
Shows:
12,54
